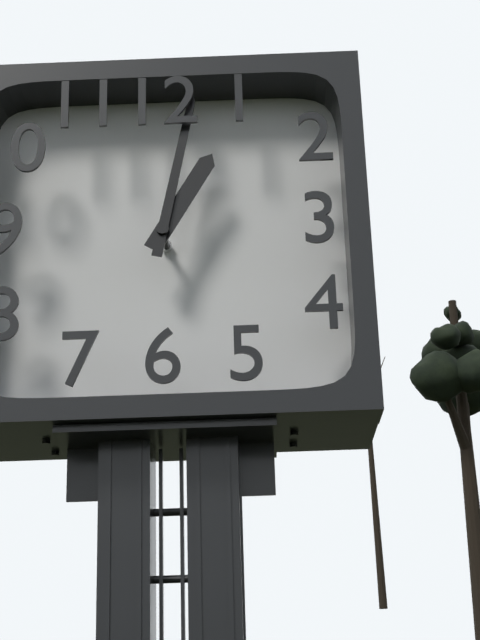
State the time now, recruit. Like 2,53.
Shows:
1,02
